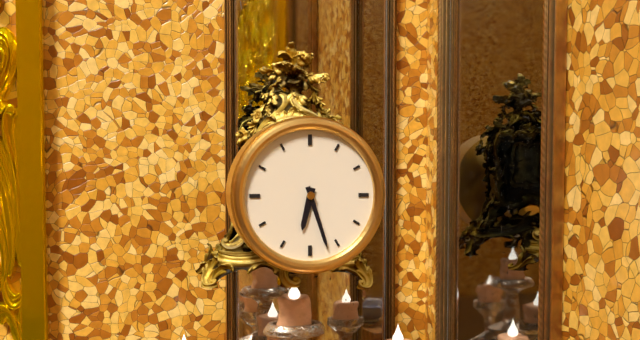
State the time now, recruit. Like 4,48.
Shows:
6,27
